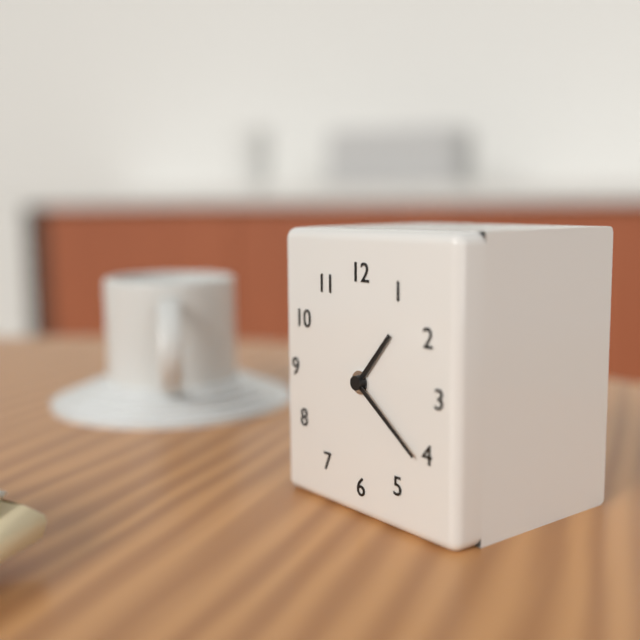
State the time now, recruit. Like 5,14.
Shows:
1,21
